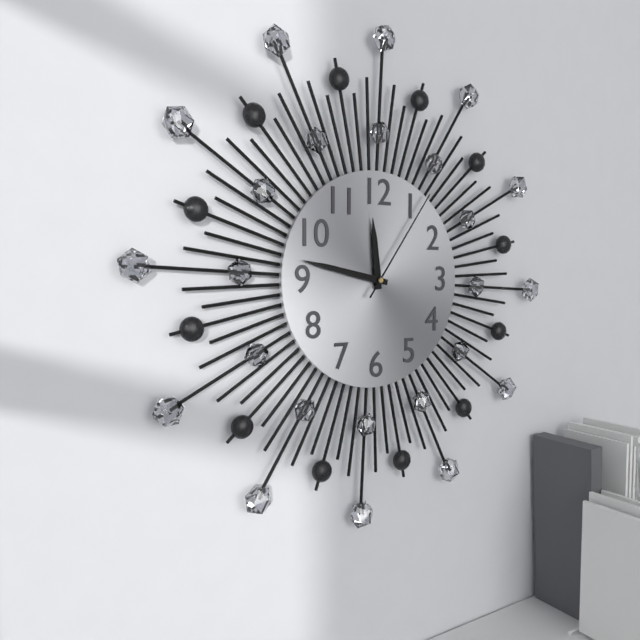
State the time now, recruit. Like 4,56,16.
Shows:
11,47,06
